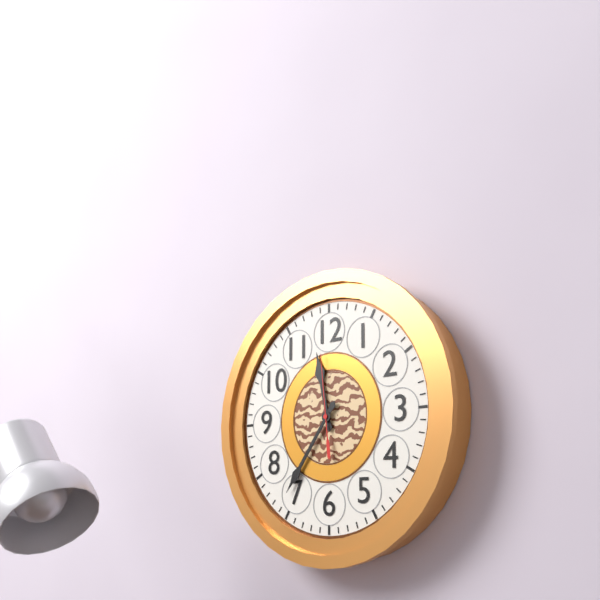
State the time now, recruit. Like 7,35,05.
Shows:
11,36,59
